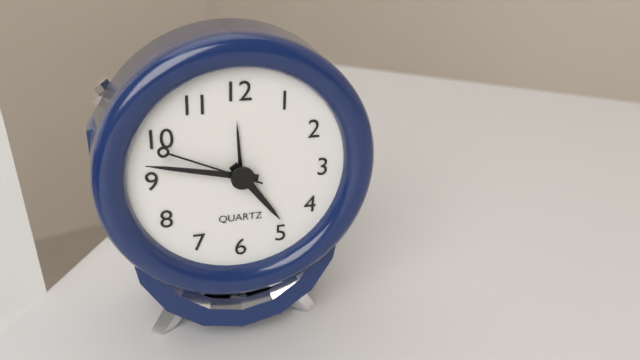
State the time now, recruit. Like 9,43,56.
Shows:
4,47,49
